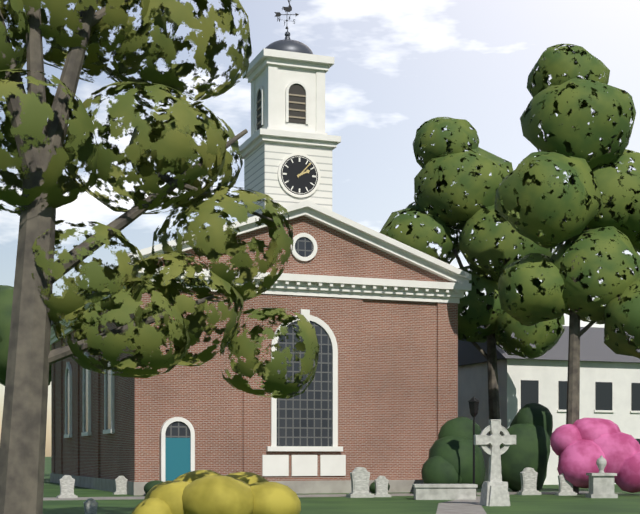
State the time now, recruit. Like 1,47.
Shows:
2,07
